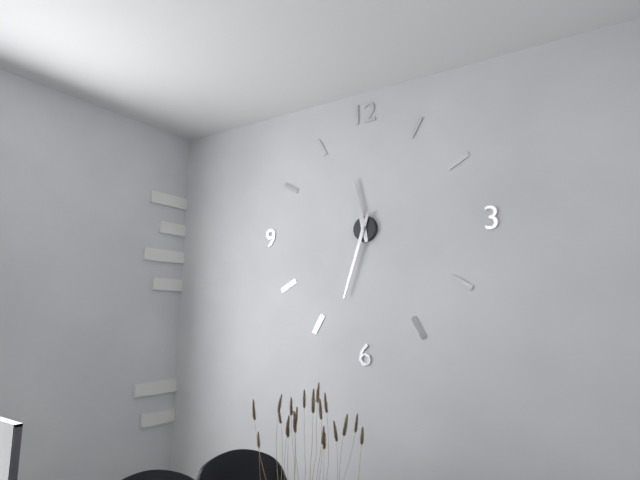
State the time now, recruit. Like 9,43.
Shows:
11,33
